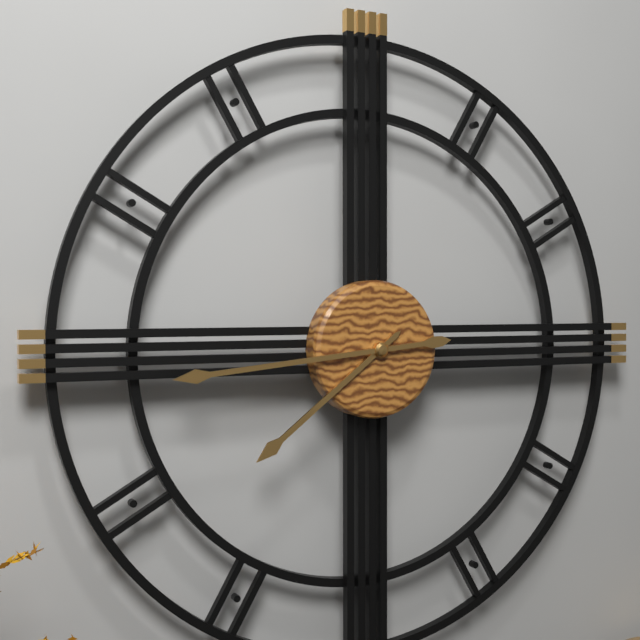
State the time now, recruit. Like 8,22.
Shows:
7,44
